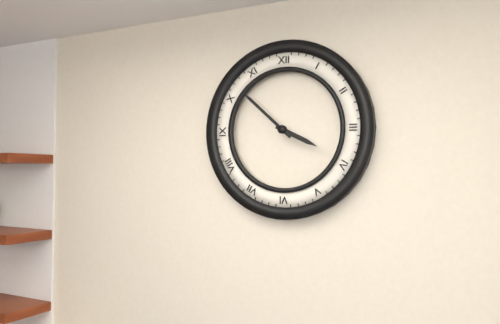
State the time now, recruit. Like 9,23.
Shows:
3,52
